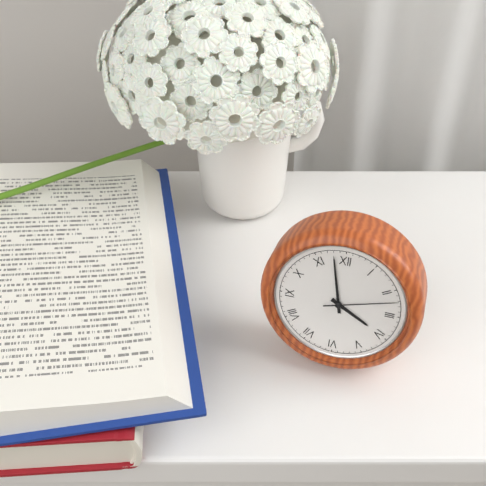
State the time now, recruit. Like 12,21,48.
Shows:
3,58,12
